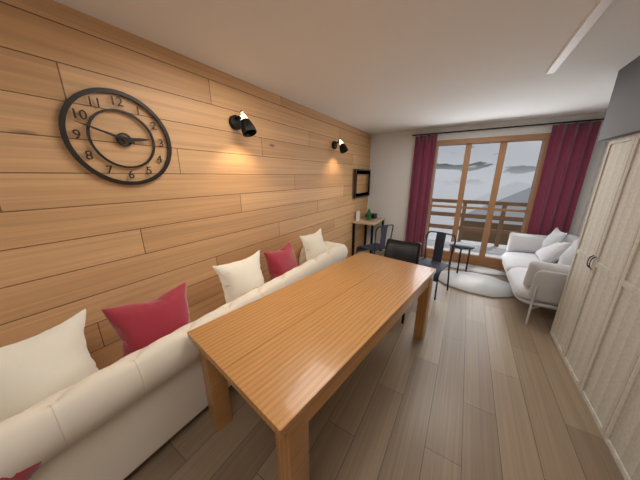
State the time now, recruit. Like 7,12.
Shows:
2,48
